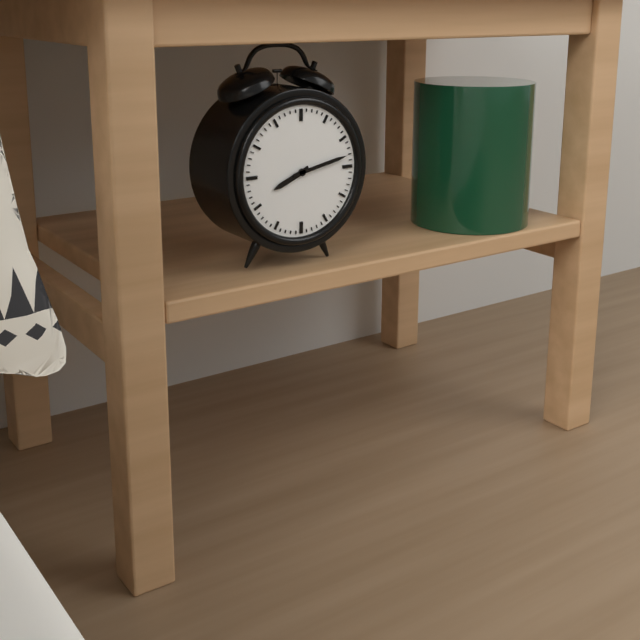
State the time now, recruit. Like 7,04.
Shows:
8,13
